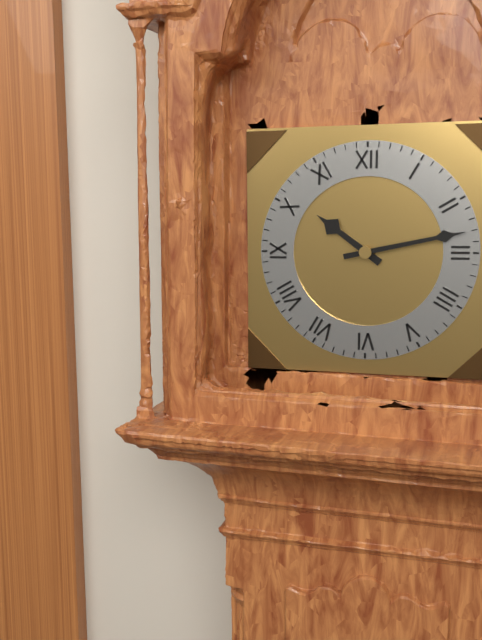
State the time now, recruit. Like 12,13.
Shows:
10,13
